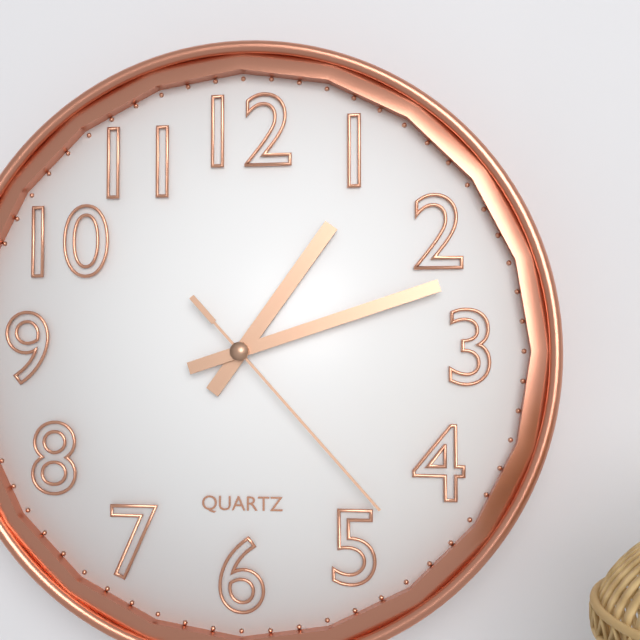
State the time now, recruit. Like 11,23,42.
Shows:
1,12,23
